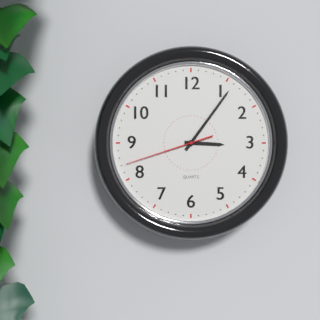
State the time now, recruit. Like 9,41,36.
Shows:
3,06,42
